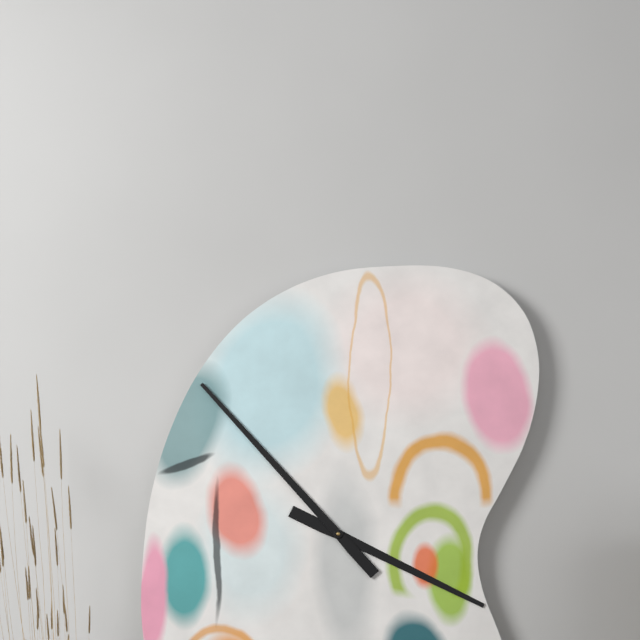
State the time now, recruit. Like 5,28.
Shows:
3,53
